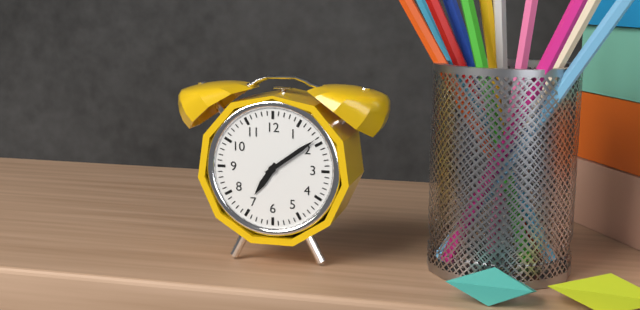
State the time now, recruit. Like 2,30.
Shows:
7,09
